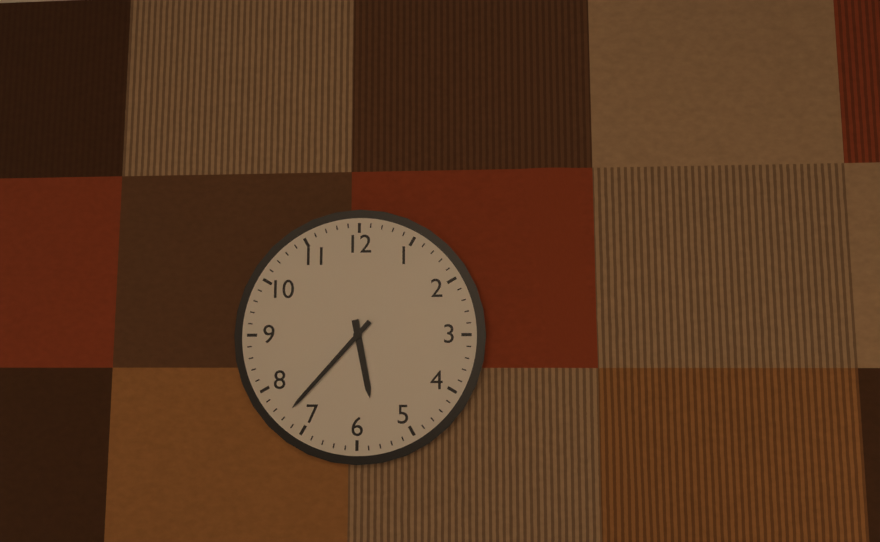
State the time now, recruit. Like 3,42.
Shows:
5,37
